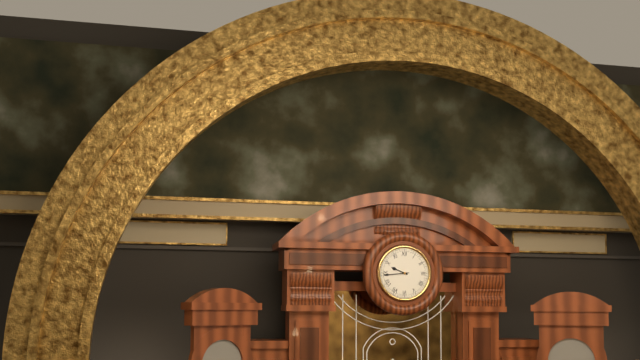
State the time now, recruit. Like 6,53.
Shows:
9,44
